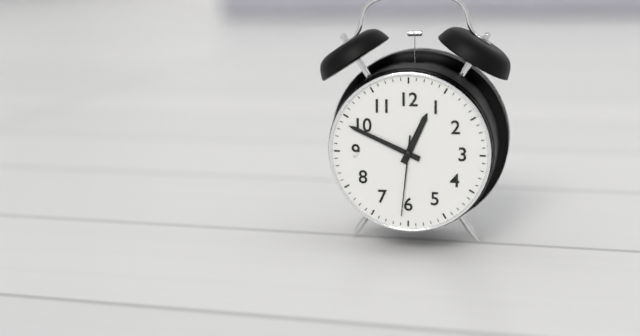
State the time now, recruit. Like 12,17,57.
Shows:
12,49,31
